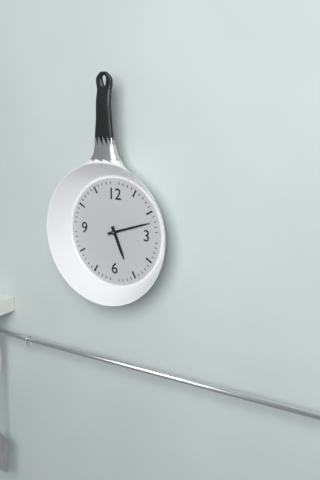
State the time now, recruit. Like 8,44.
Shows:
5,12
